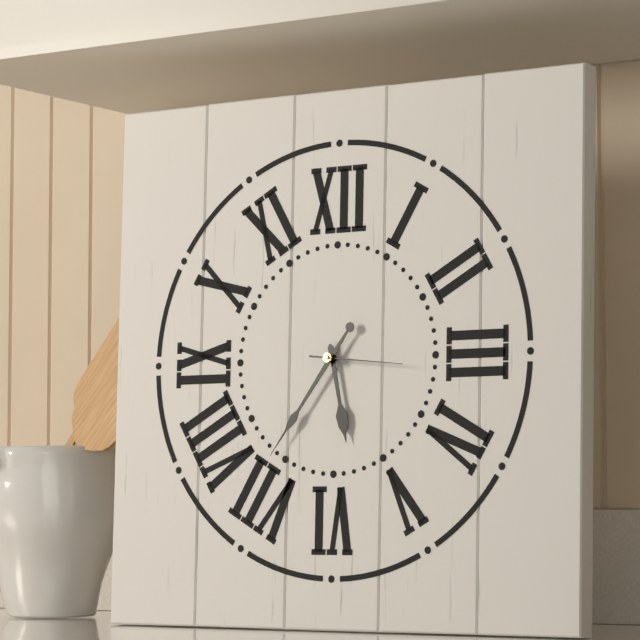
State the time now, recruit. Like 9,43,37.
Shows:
5,36,16
